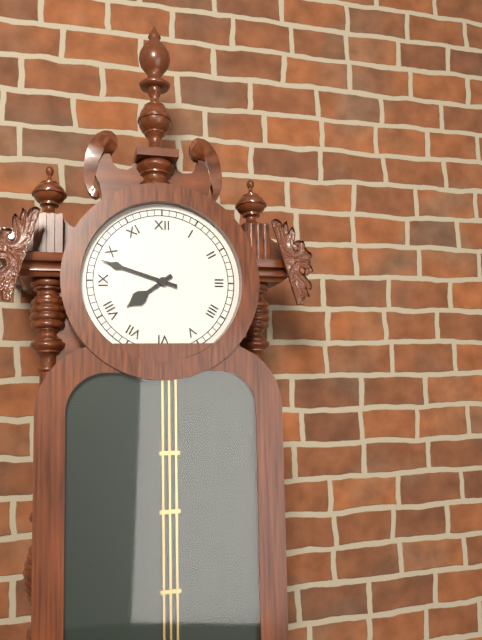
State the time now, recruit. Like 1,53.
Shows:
7,48
